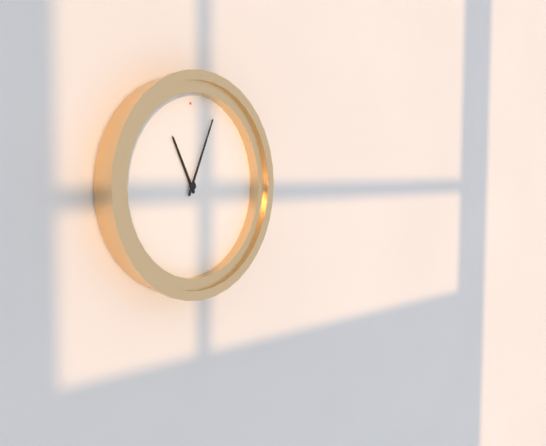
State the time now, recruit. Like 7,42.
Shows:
11,04
